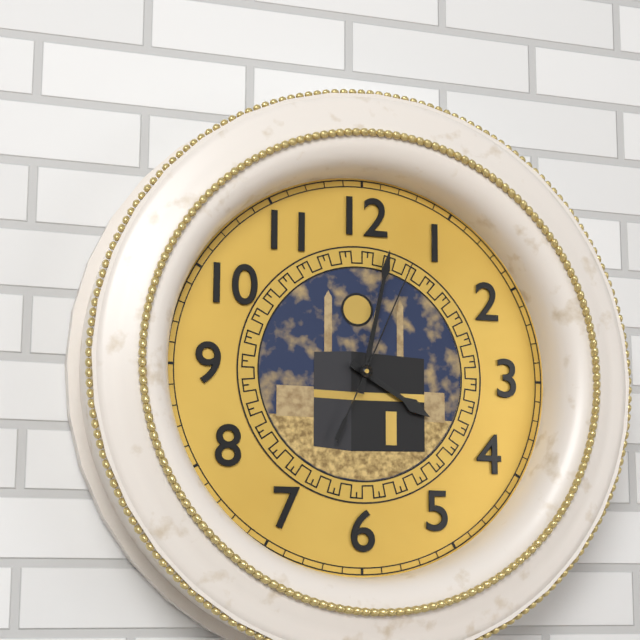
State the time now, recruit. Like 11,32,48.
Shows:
4,02,04
